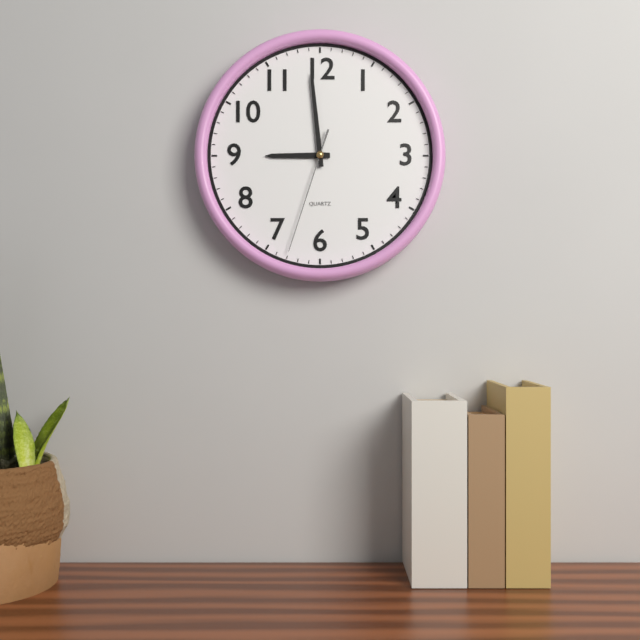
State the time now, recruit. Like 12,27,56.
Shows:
8,59,33
